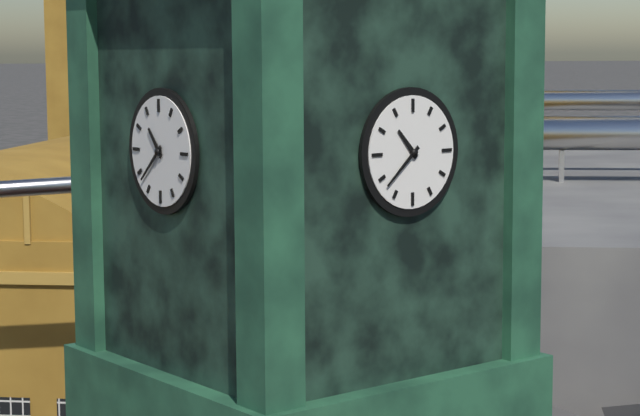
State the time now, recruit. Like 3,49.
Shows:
10,38
